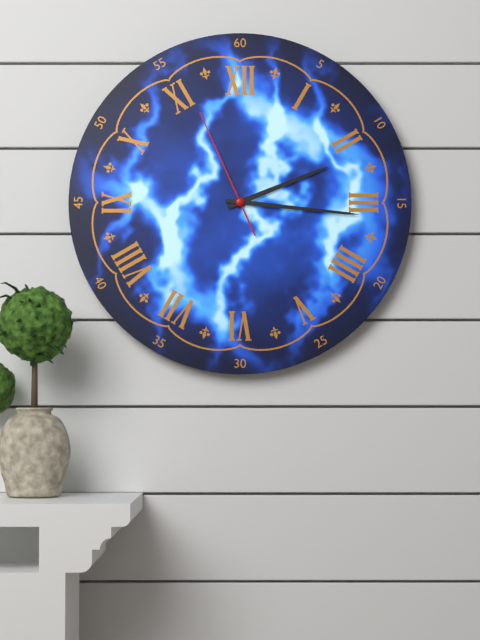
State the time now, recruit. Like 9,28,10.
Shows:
2,16,56
